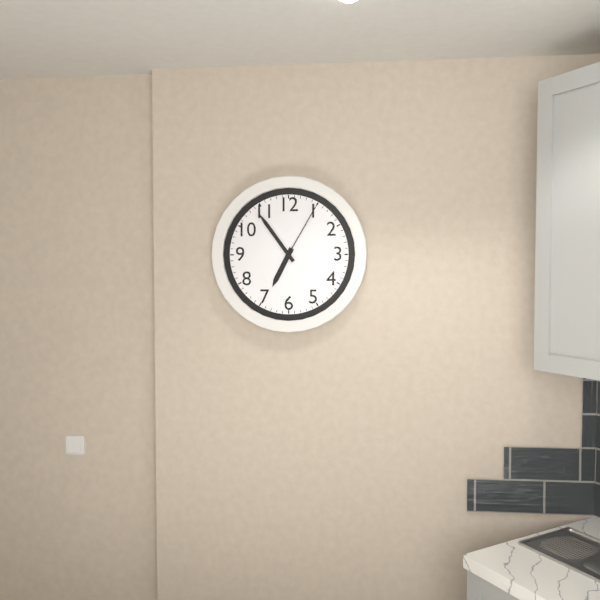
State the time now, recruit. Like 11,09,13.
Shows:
6,54,05
